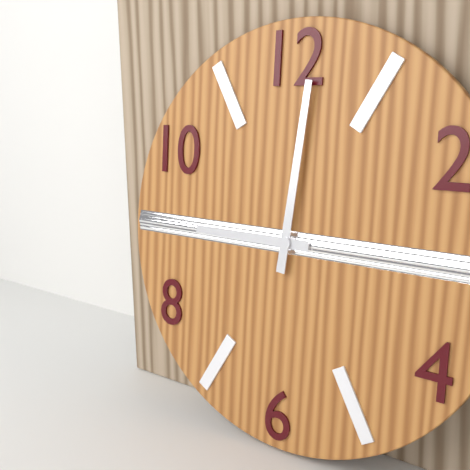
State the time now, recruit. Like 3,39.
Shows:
9,01
